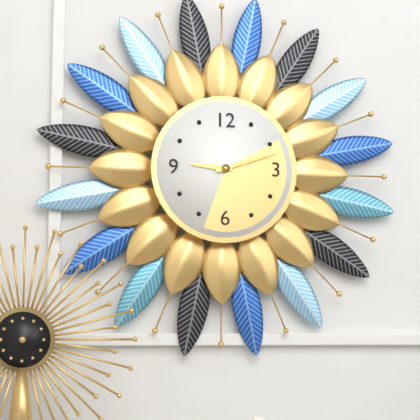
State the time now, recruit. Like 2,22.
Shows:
9,12
